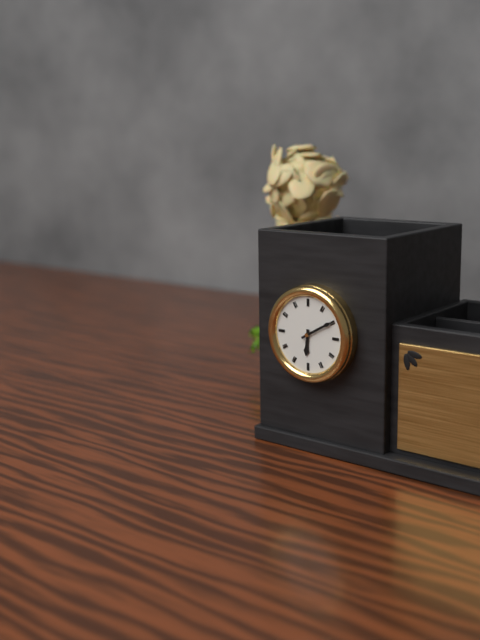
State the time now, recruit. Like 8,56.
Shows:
6,10
